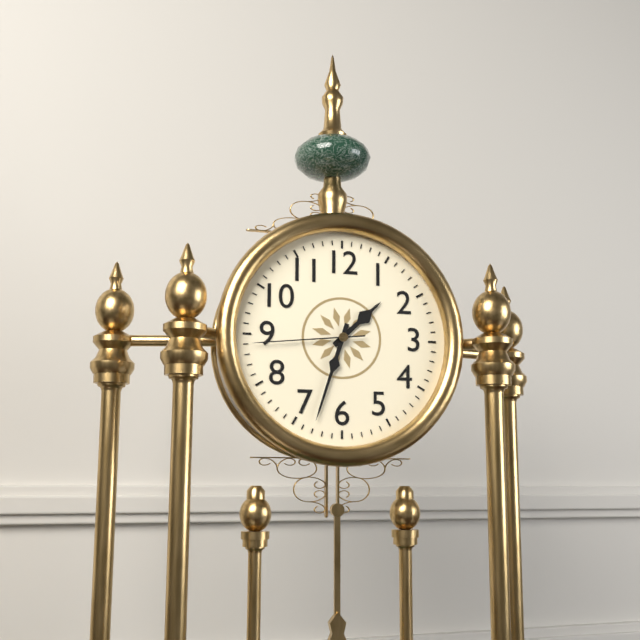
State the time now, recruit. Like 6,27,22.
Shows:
1,33,44
